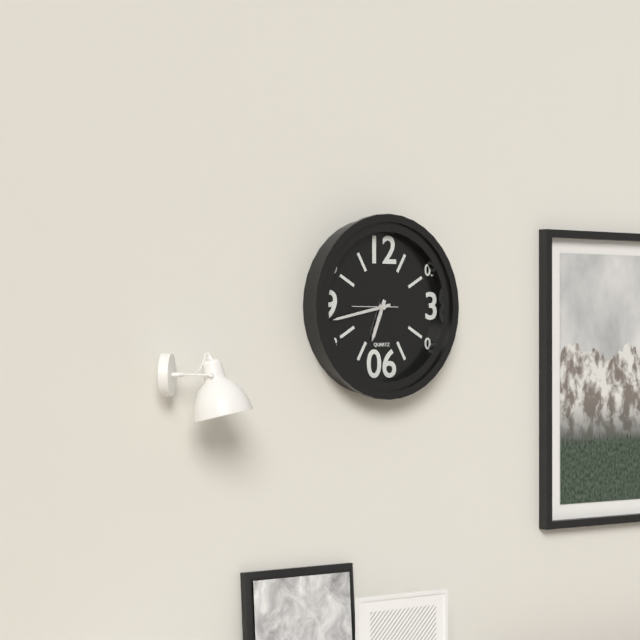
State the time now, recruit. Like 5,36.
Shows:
6,43
